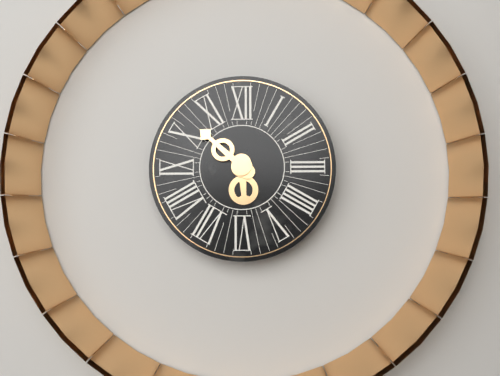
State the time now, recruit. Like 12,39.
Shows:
5,52
